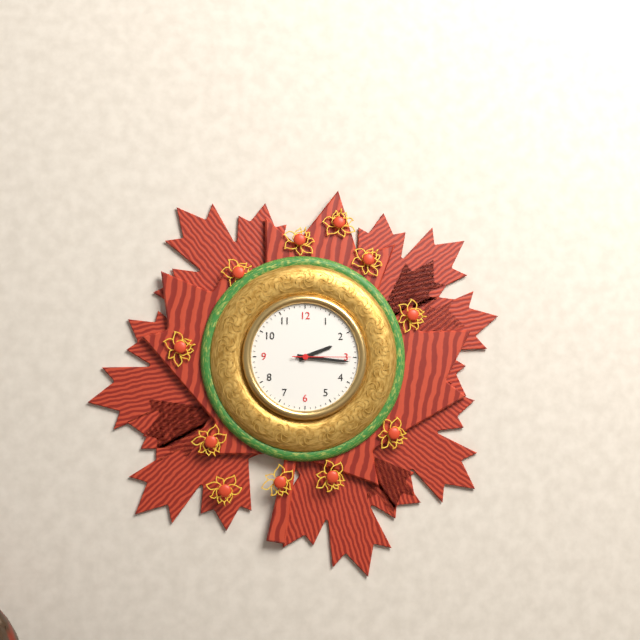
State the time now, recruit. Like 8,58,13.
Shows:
2,16,15
